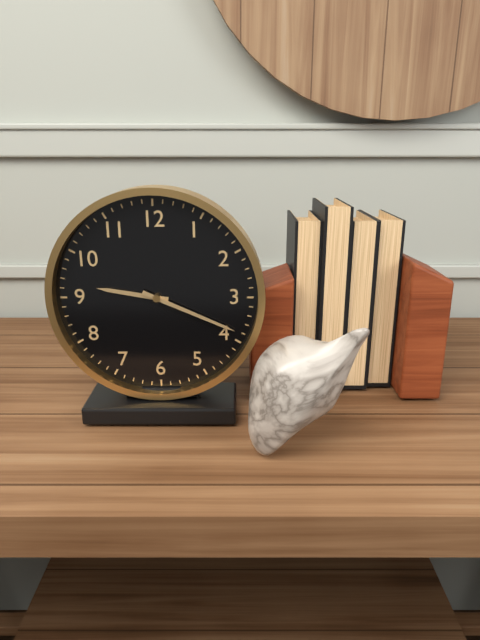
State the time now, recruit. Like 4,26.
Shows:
9,19
